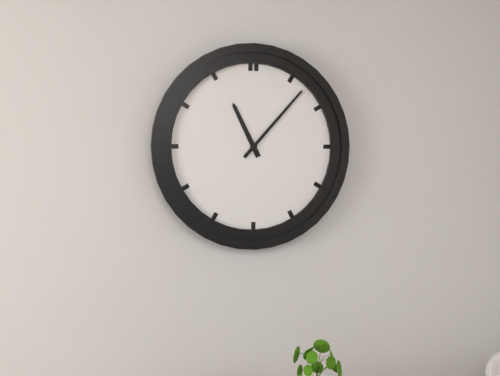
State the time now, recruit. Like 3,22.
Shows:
11,07
